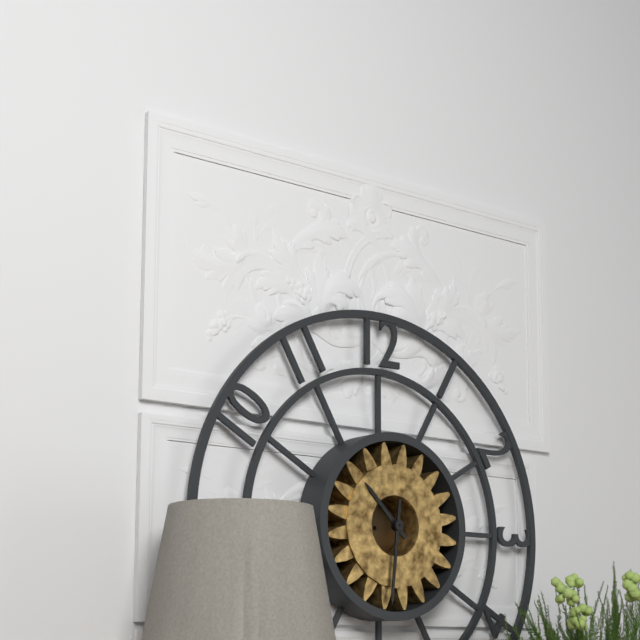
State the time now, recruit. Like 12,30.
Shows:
10,31
